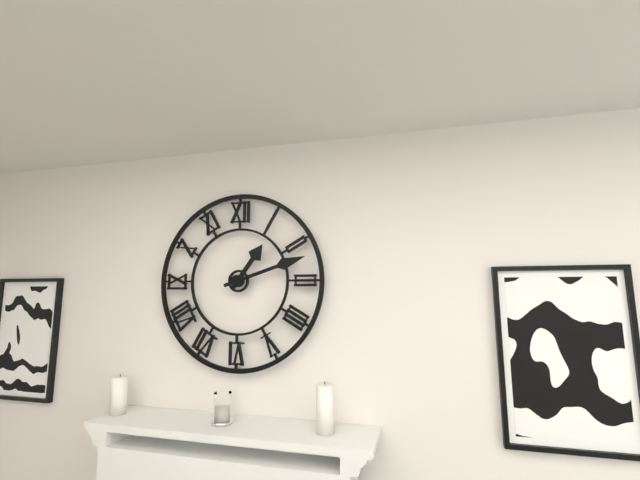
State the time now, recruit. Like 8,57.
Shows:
1,12
